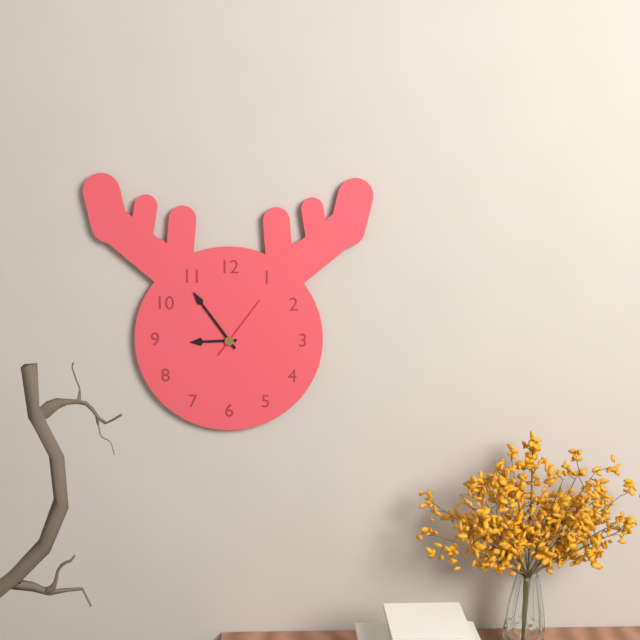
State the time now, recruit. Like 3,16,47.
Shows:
8,54,06
